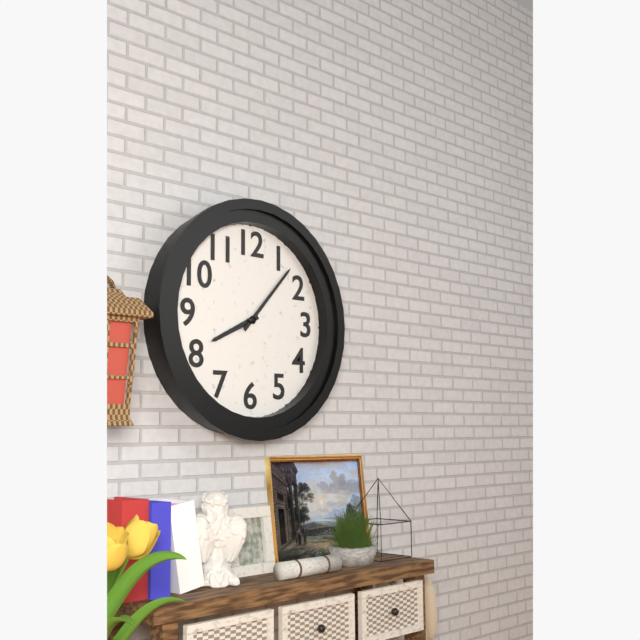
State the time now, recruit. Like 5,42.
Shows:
8,07
